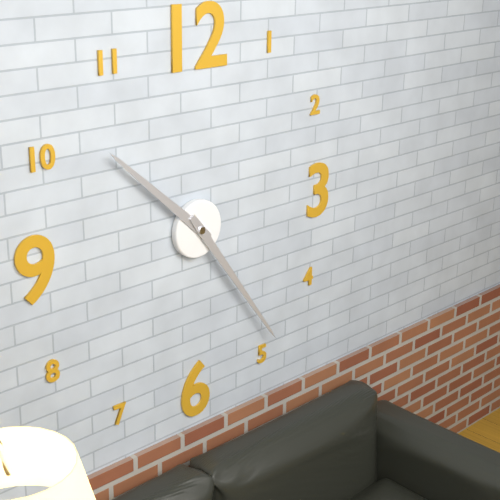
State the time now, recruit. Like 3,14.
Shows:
10,24
